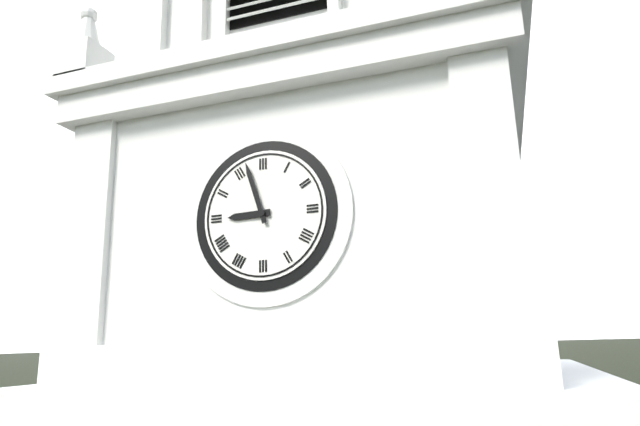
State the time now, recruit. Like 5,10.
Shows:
8,57
